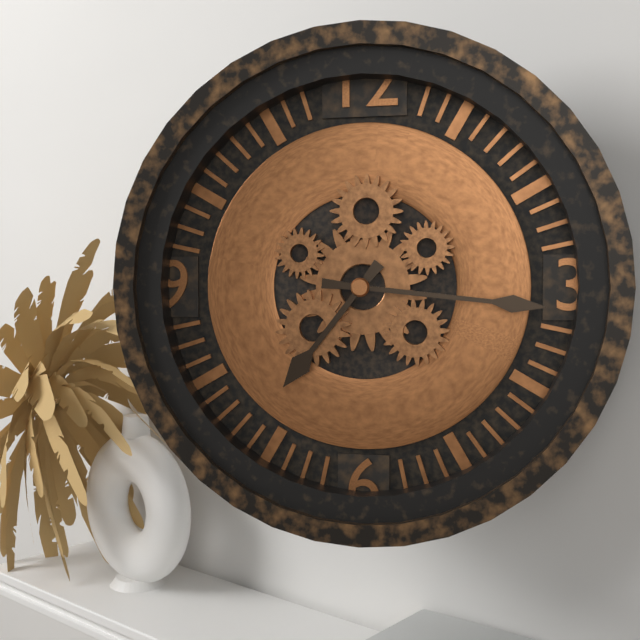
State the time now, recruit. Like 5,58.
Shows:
7,16
